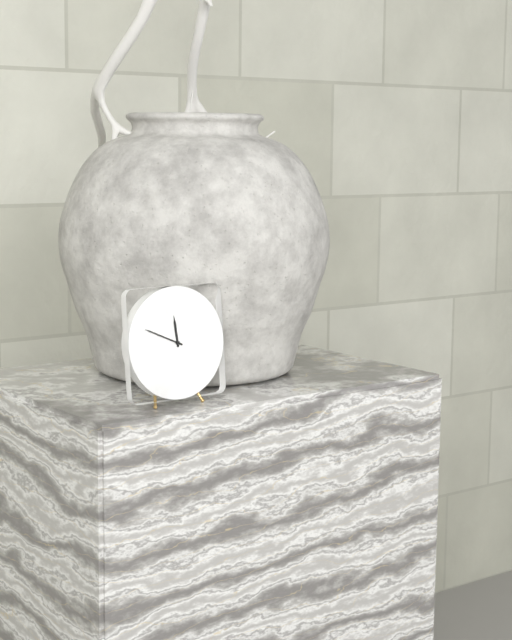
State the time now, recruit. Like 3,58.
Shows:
11,49
